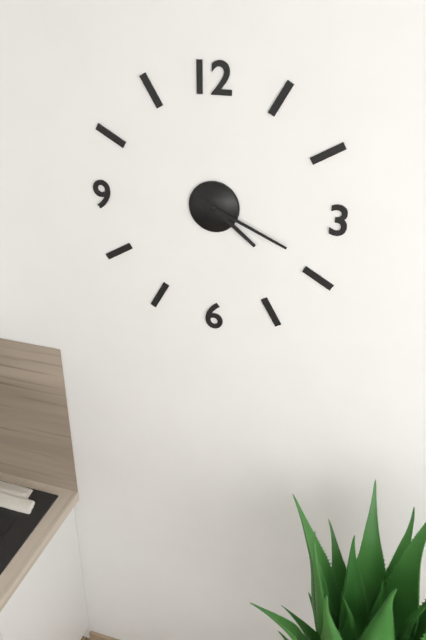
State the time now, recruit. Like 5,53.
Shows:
4,19
